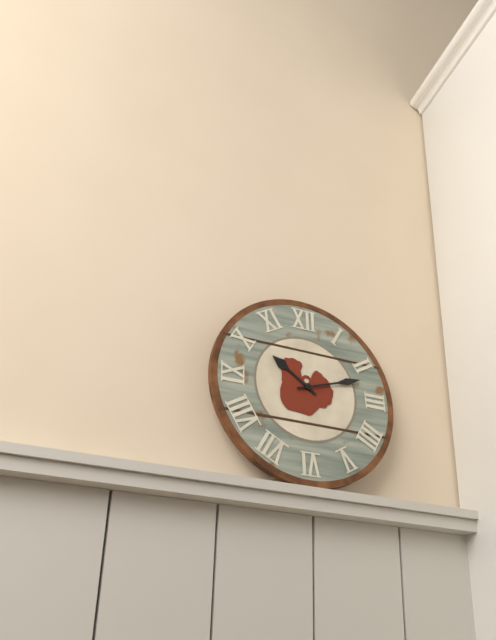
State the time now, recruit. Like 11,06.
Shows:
10,12
